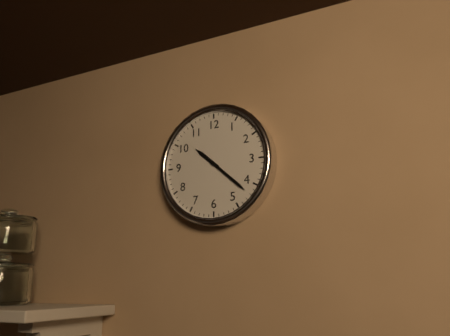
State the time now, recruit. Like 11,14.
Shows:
10,22
